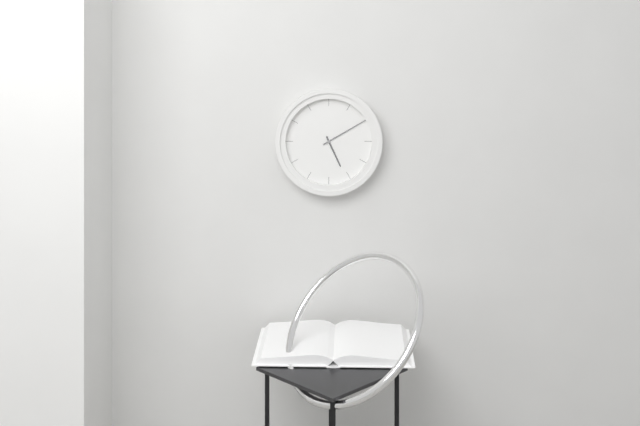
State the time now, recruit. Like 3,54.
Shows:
5,10
